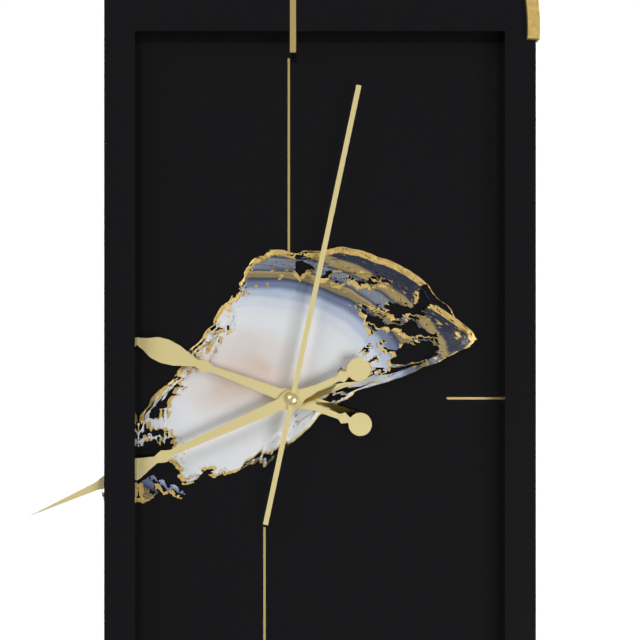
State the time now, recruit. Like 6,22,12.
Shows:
9,41,02
